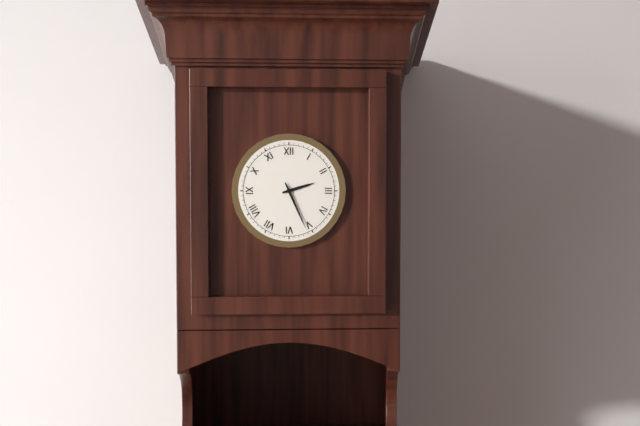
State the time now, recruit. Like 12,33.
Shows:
2,26
